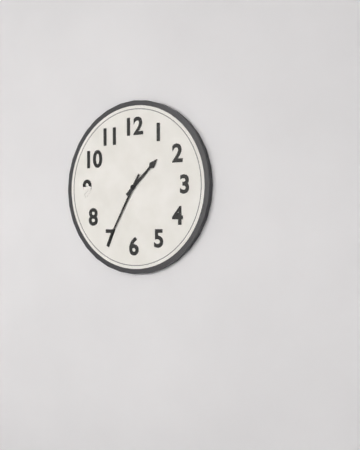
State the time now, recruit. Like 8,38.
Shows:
1,35
